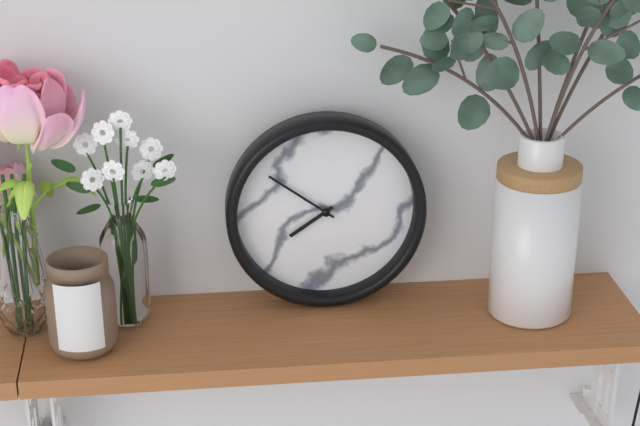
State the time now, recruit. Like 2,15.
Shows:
7,51
